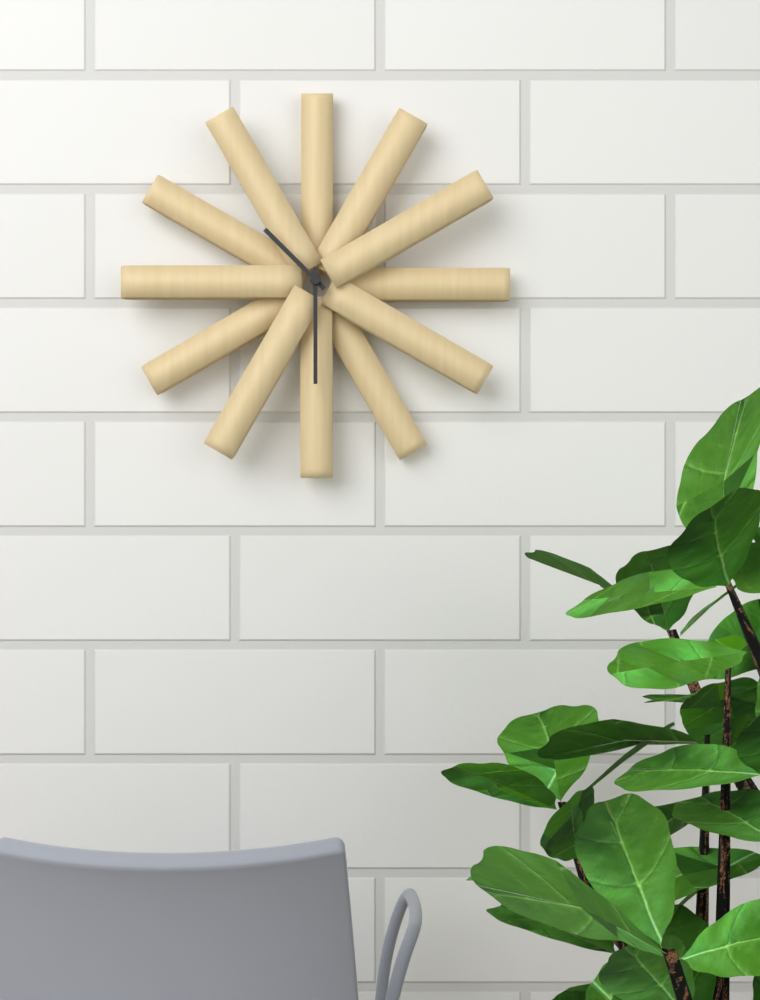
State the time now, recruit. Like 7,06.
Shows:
10,30
